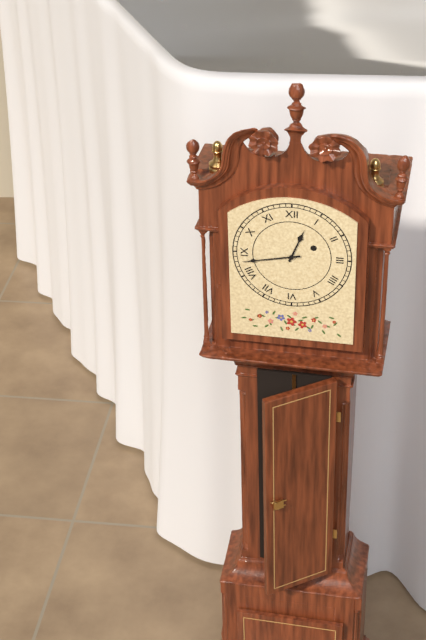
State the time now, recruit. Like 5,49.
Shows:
12,43
